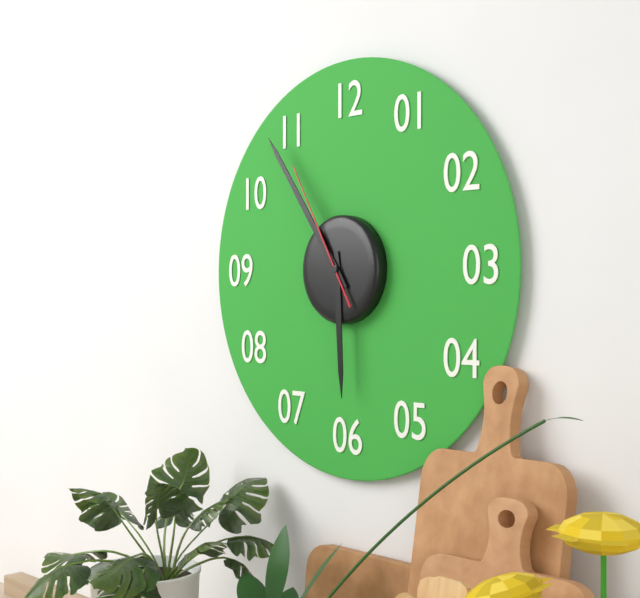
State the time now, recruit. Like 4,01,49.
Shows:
5,54,55
